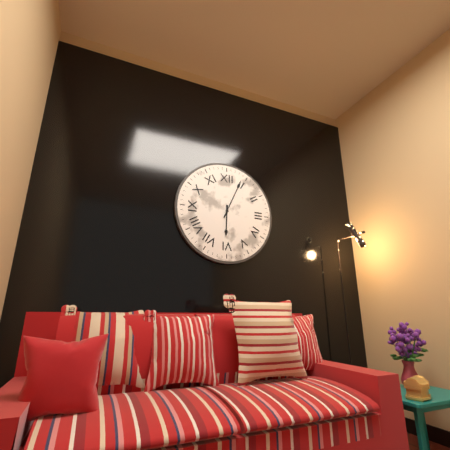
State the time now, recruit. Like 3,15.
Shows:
6,04
